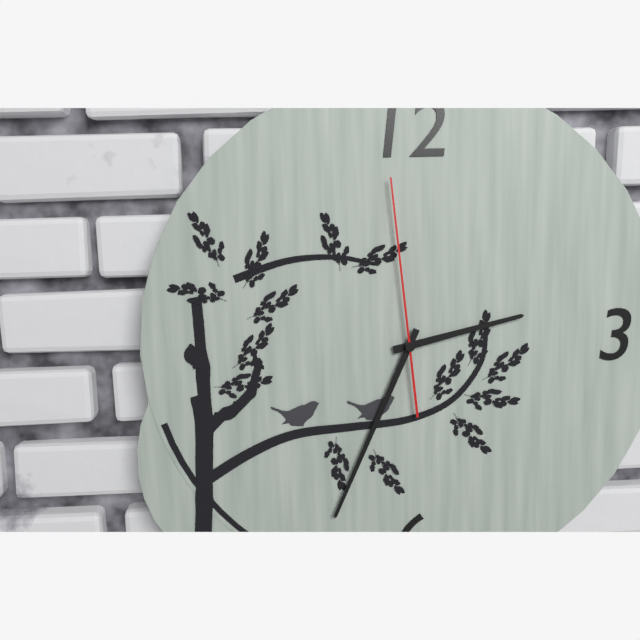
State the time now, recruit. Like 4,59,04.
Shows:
2,34,59
